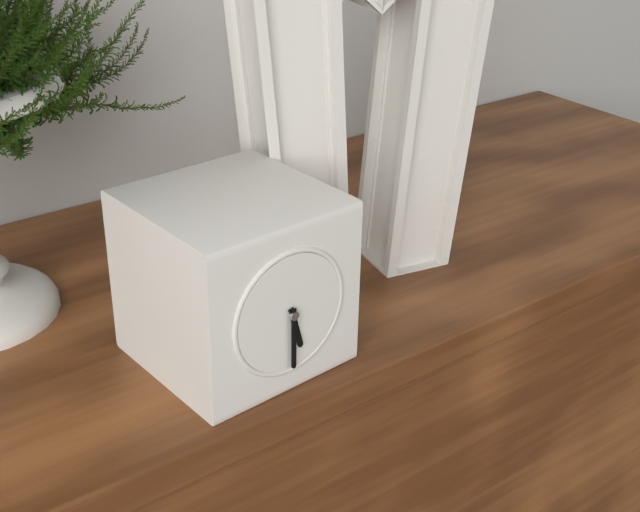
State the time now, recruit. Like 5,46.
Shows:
5,30
